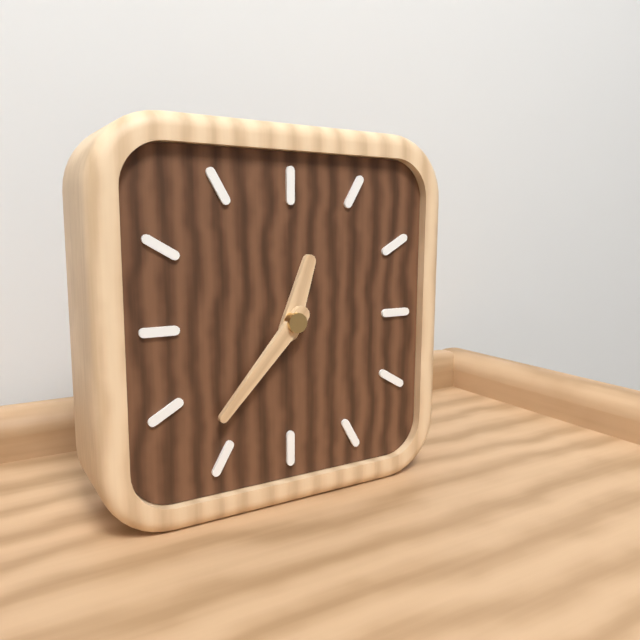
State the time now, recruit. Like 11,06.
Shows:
12,37
